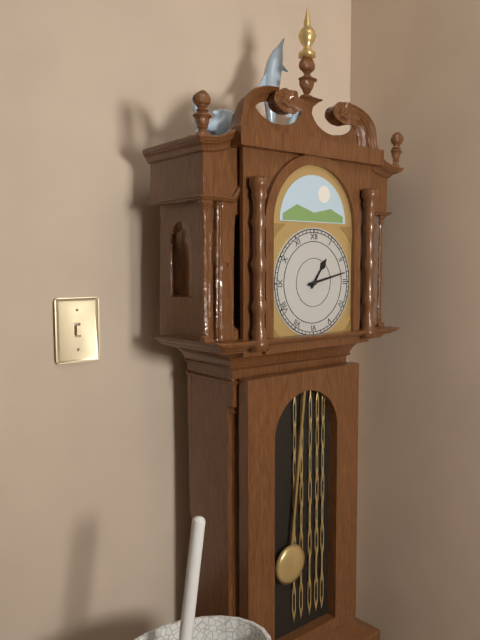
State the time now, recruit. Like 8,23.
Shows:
1,13
